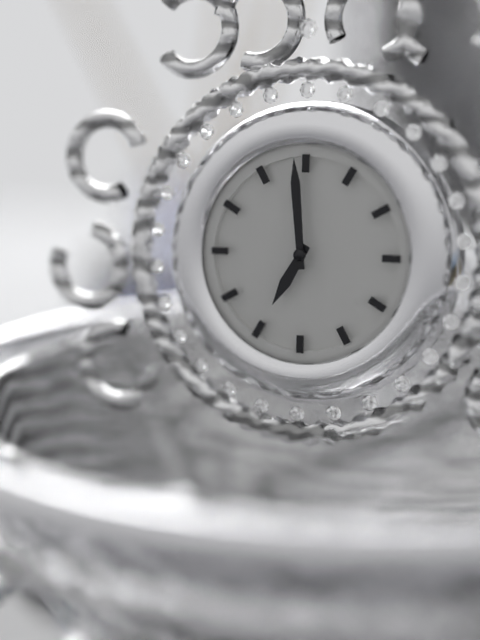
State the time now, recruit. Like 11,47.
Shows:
6,59
